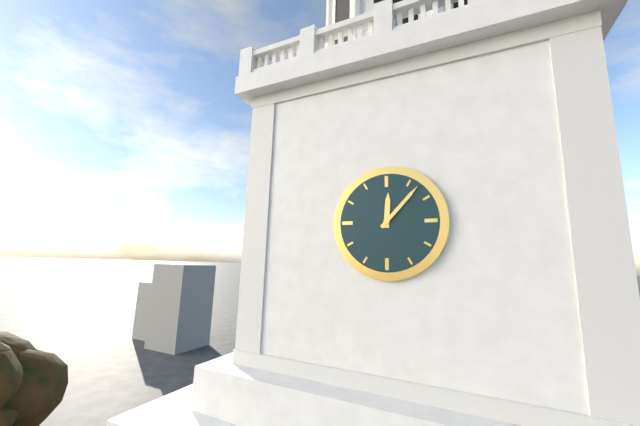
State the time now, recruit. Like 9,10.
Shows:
12,07
